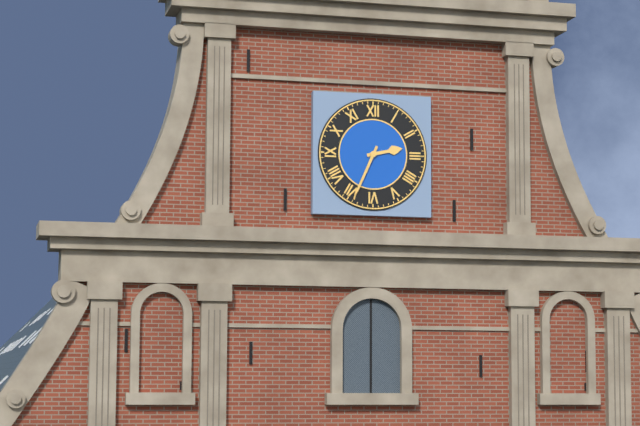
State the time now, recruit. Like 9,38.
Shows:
2,34
